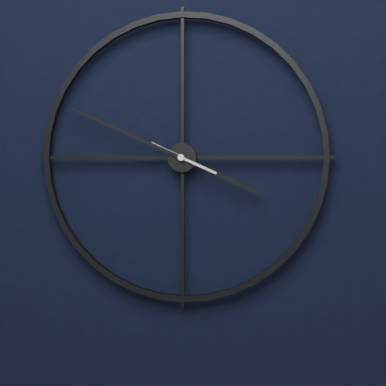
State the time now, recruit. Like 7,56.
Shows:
3,49
